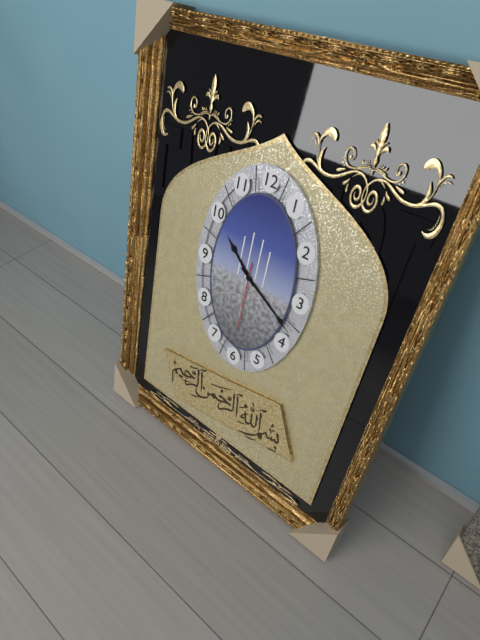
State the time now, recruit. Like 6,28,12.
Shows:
10,20,30
